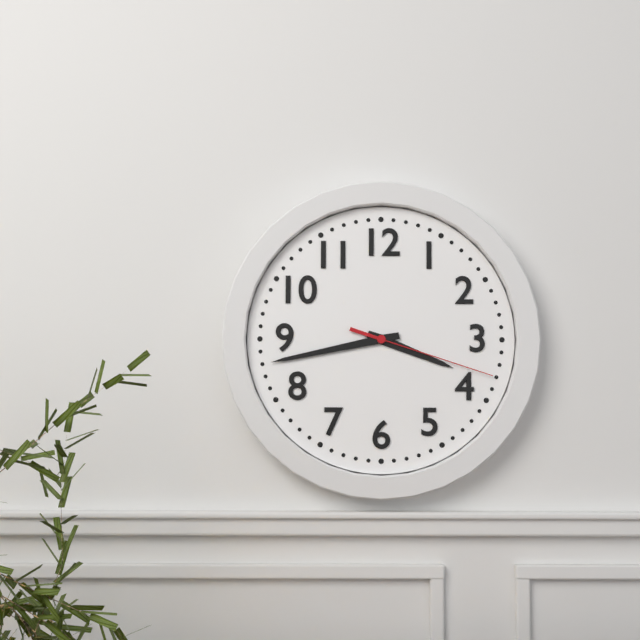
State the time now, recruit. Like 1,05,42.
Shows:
3,43,18
